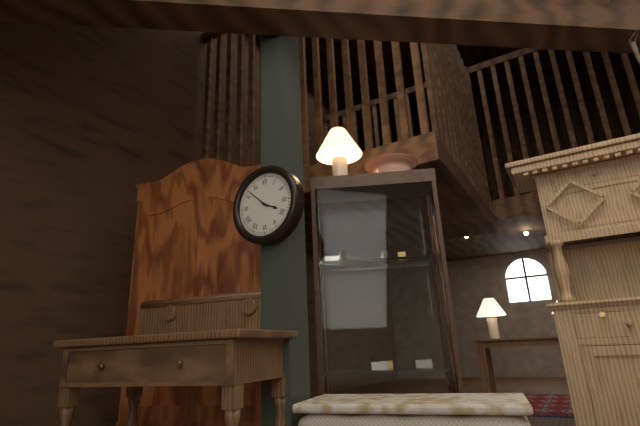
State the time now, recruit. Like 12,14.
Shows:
3,52
